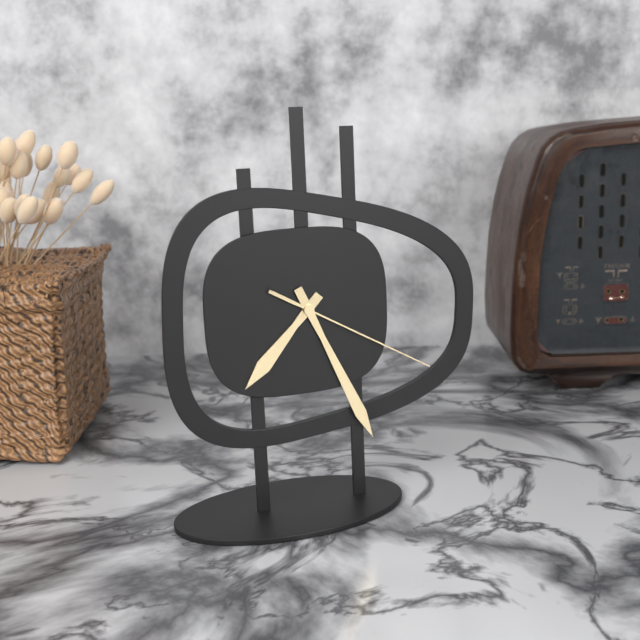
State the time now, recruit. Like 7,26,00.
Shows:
7,26,20
